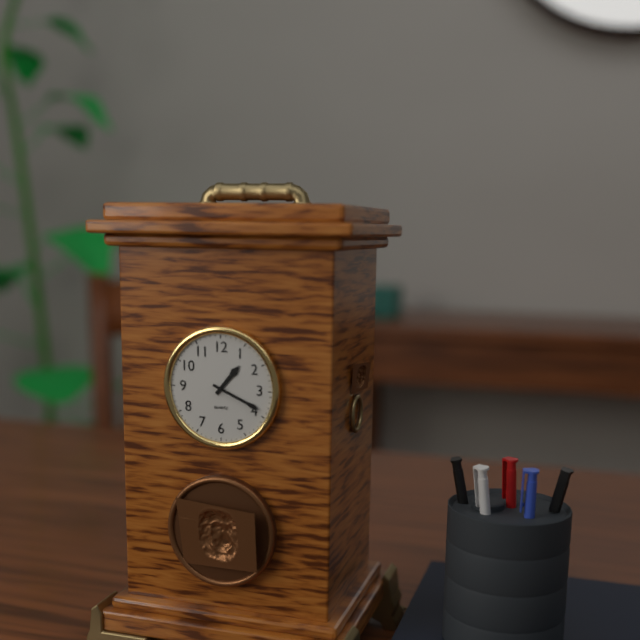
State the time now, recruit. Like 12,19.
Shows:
1,19
